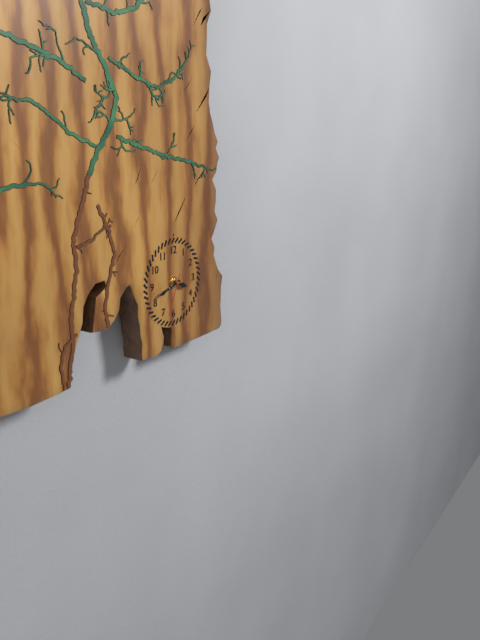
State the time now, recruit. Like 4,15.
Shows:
3,42
